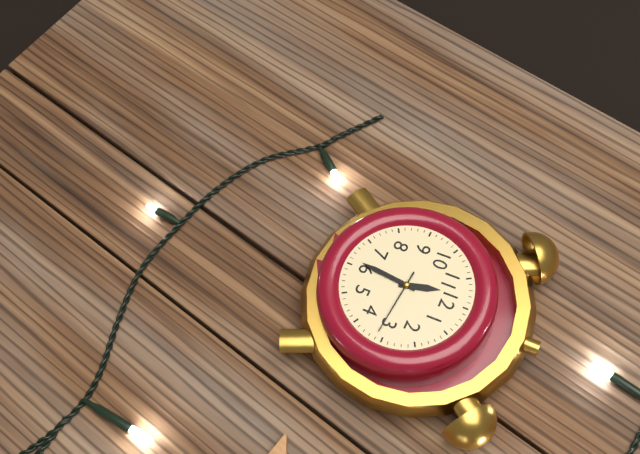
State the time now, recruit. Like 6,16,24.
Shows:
11,31,16
